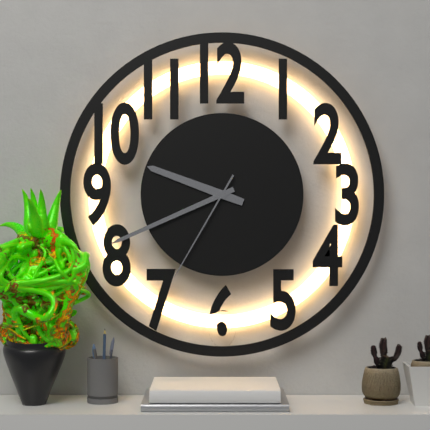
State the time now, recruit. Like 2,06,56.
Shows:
9,41,35
